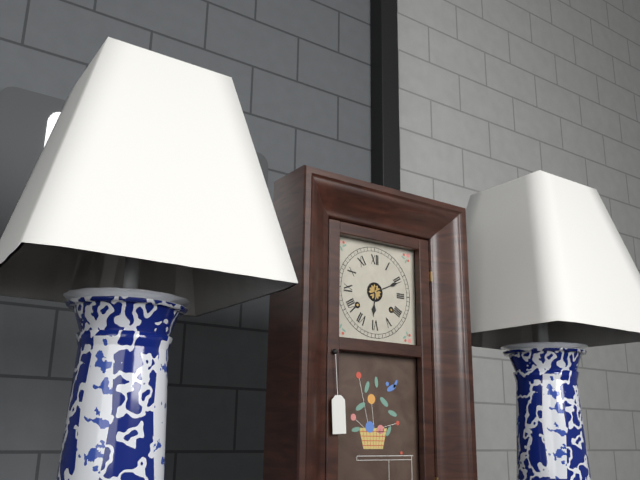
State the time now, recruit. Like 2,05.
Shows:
6,11
